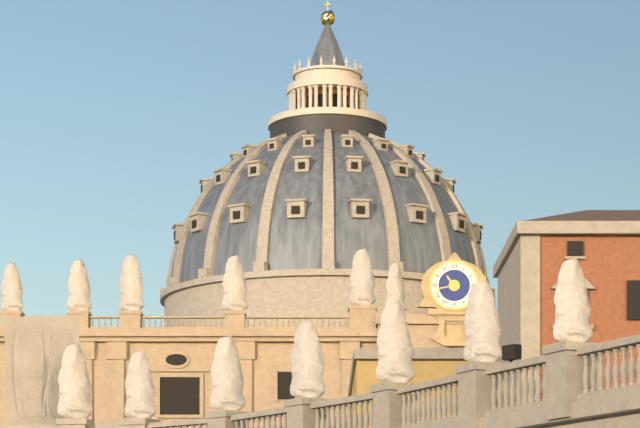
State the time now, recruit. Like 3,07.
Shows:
10,43
